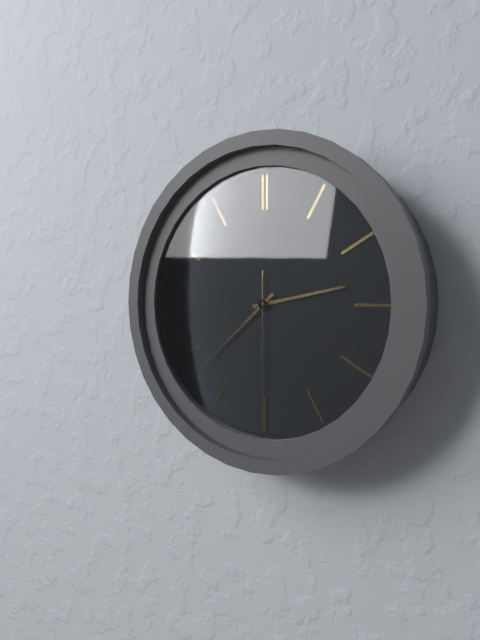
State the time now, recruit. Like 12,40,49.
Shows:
2,38,30
